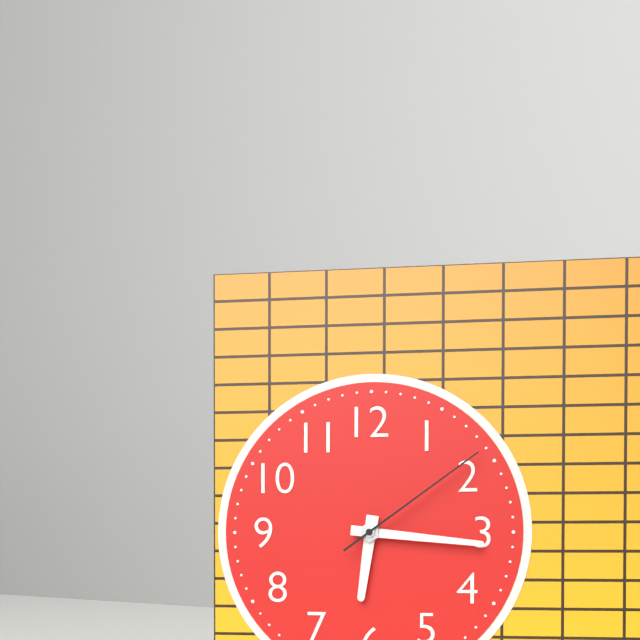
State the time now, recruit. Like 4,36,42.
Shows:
6,16,09
